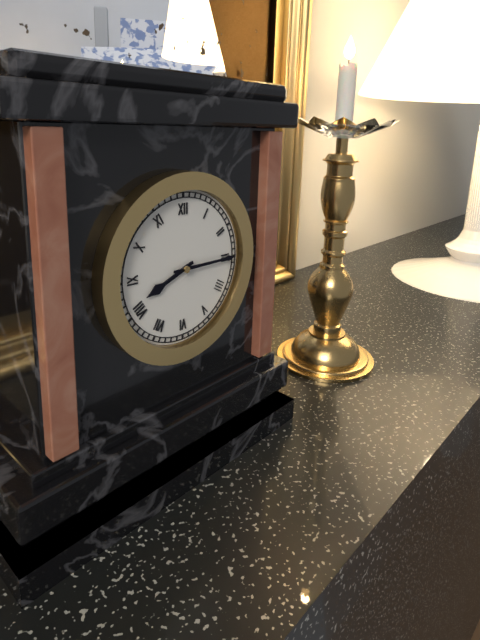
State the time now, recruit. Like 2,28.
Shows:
8,15
